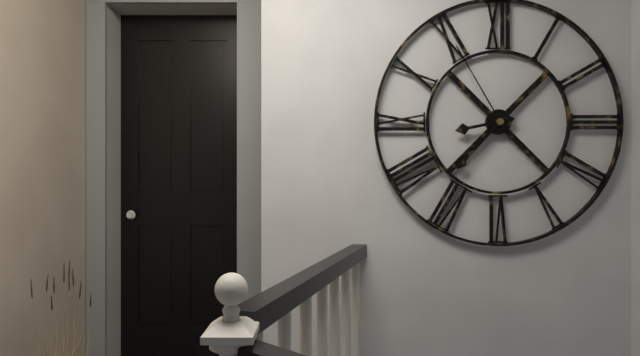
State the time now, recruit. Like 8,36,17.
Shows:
8,37,55
